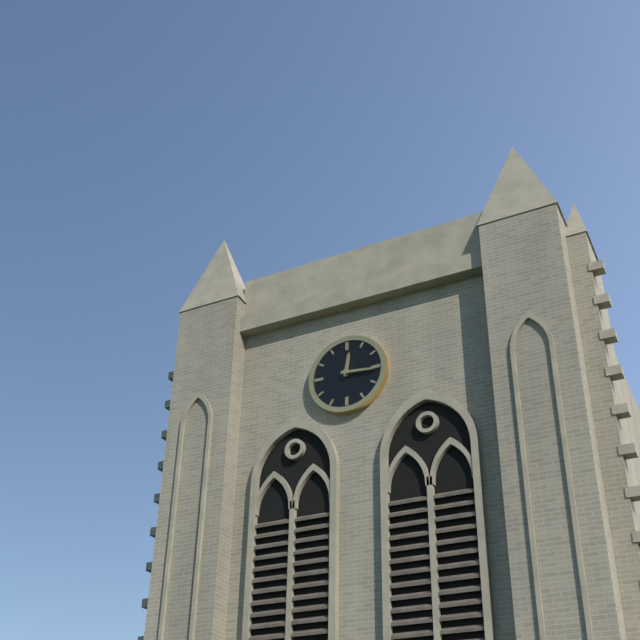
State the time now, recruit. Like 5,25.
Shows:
12,16
